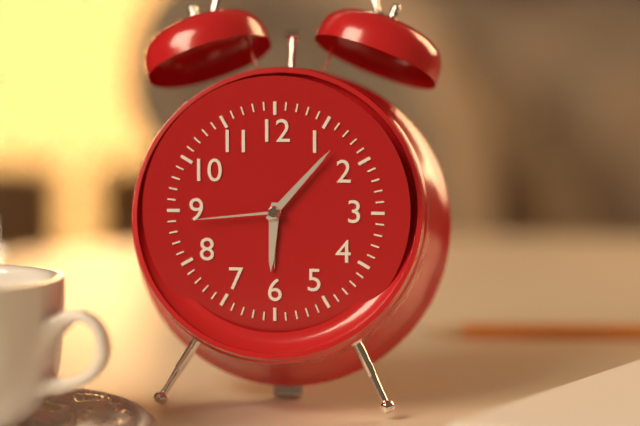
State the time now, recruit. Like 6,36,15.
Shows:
6,07,44
